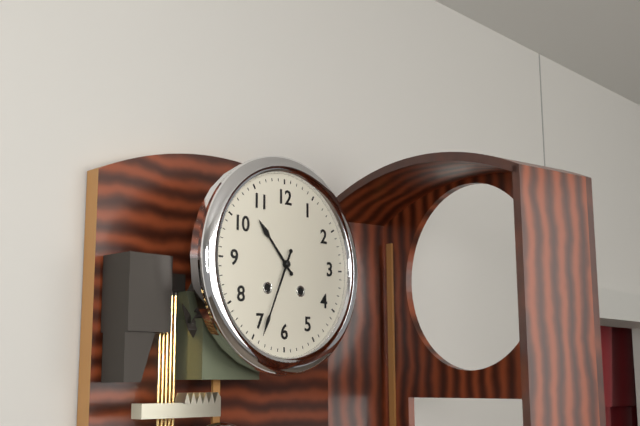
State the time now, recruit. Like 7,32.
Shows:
10,34
